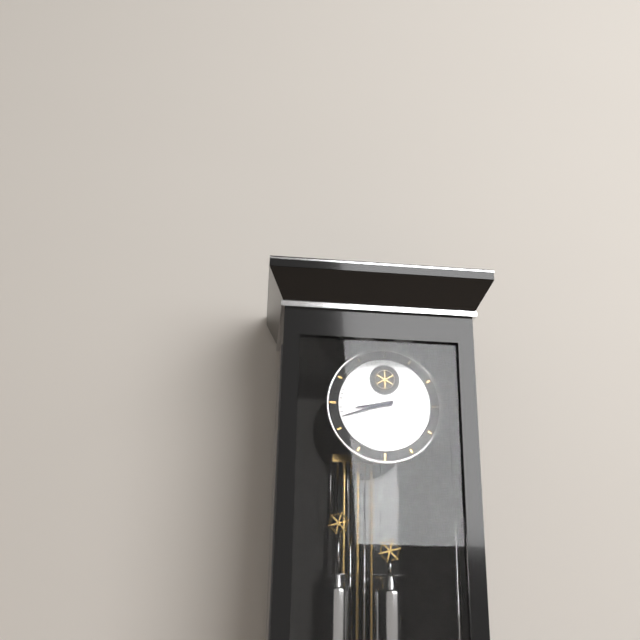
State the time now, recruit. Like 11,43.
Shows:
8,42
